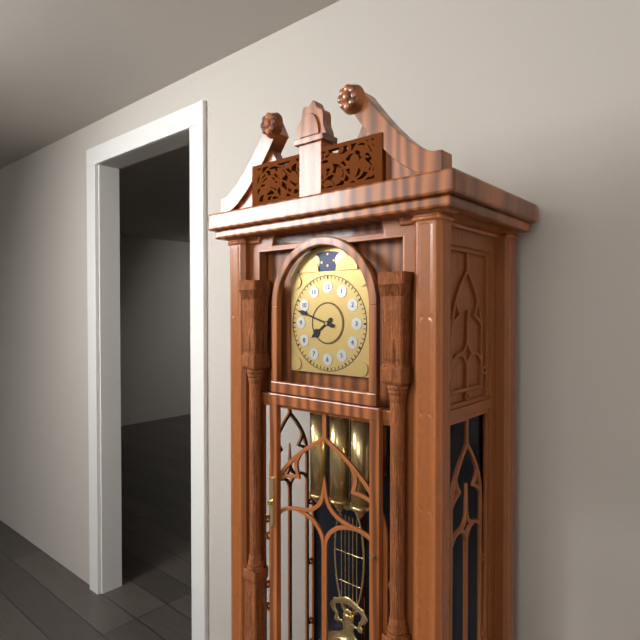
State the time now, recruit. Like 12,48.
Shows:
7,48
